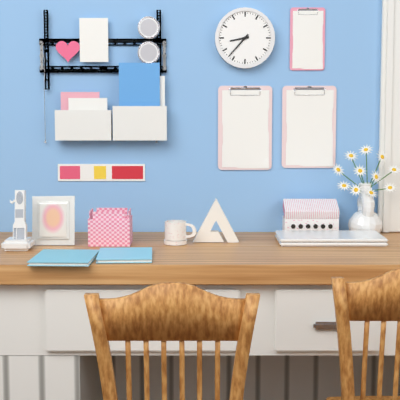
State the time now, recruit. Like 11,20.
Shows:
8,37
